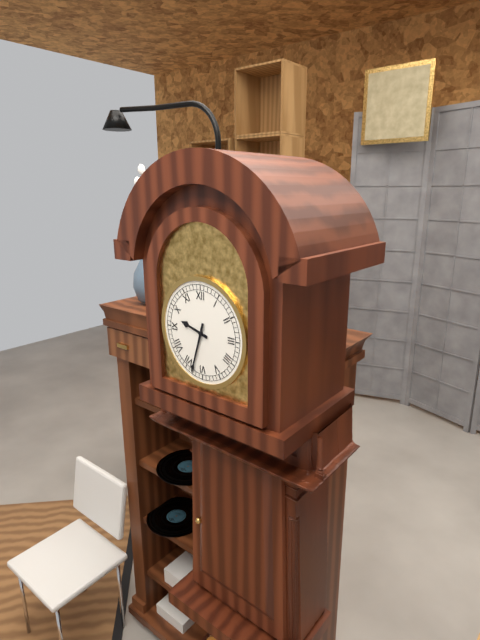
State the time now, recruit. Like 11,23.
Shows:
9,33
